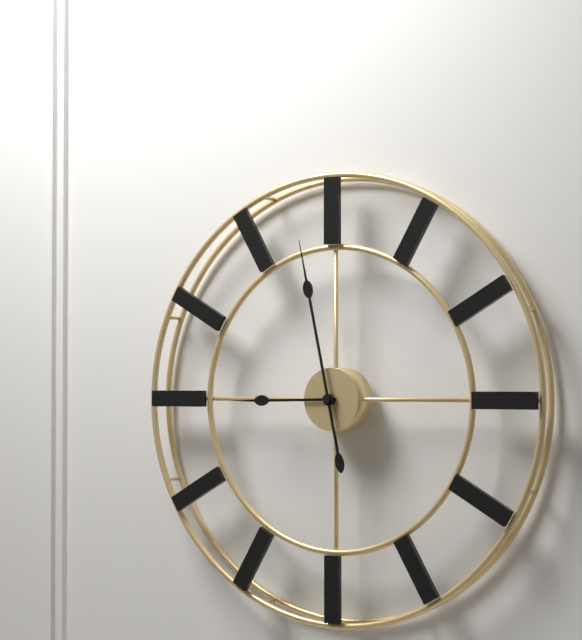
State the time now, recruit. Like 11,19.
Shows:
8,58
